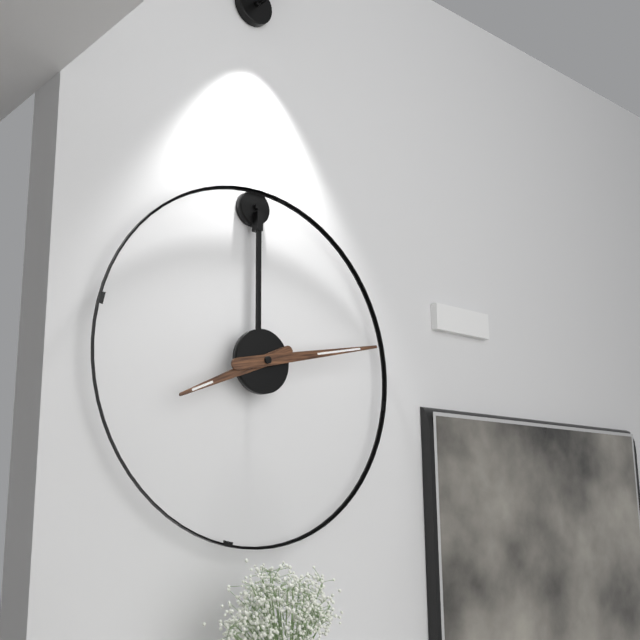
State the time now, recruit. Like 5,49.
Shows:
8,13
